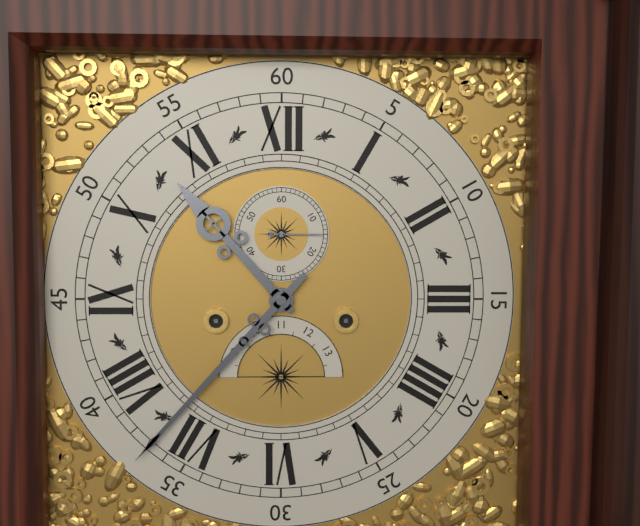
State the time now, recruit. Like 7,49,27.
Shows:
10,37,15
